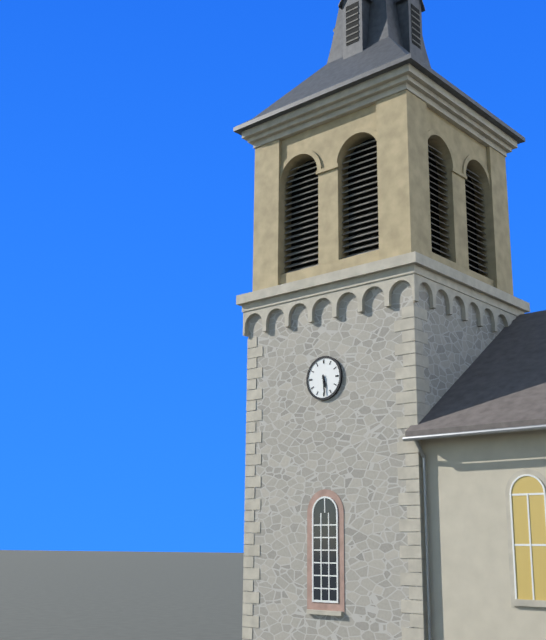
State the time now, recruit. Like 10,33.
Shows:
5,29
